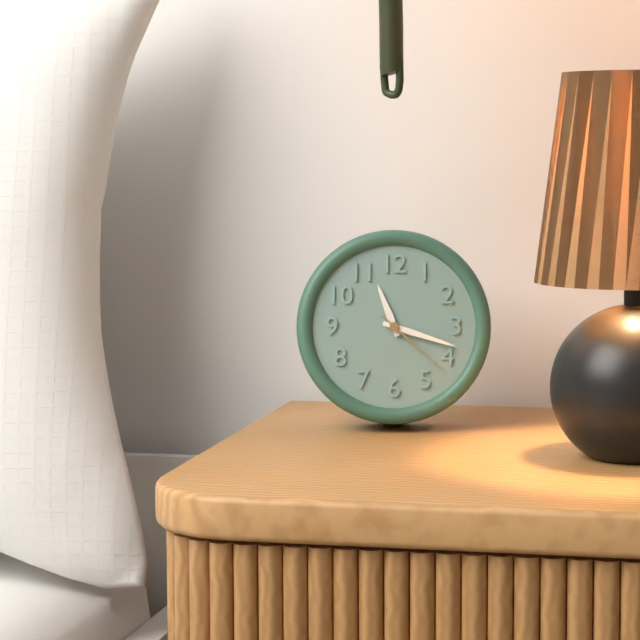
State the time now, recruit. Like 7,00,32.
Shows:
11,18,22
